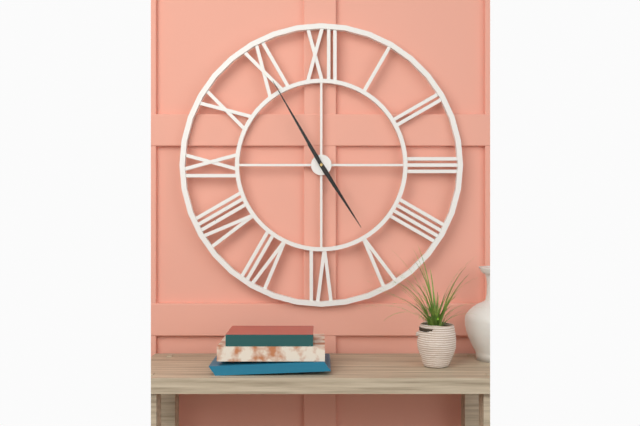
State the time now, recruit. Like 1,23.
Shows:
4,55
